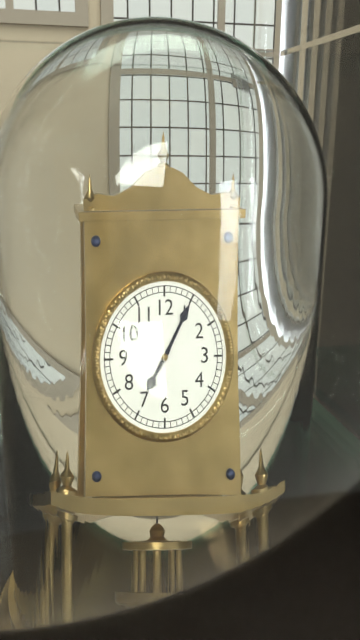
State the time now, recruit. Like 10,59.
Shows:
7,05
